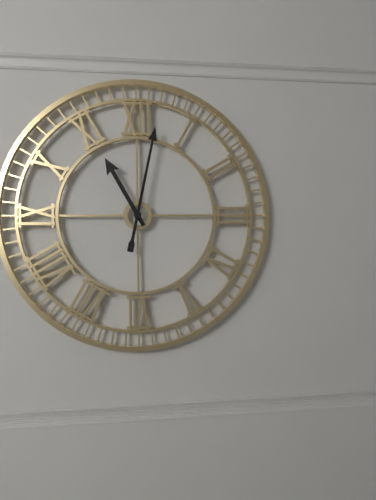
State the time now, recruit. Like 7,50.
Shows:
11,02
